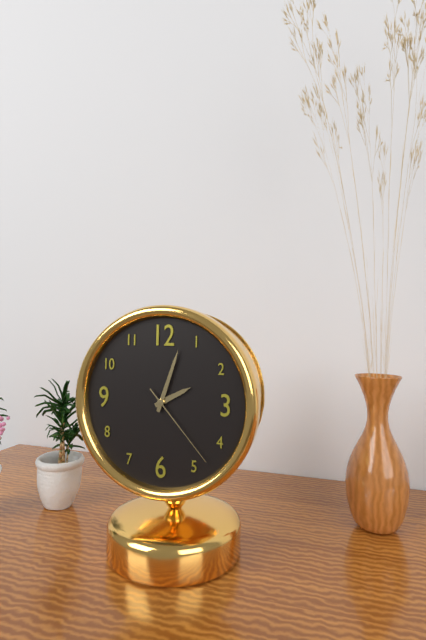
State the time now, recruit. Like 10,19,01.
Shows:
2,03,23
